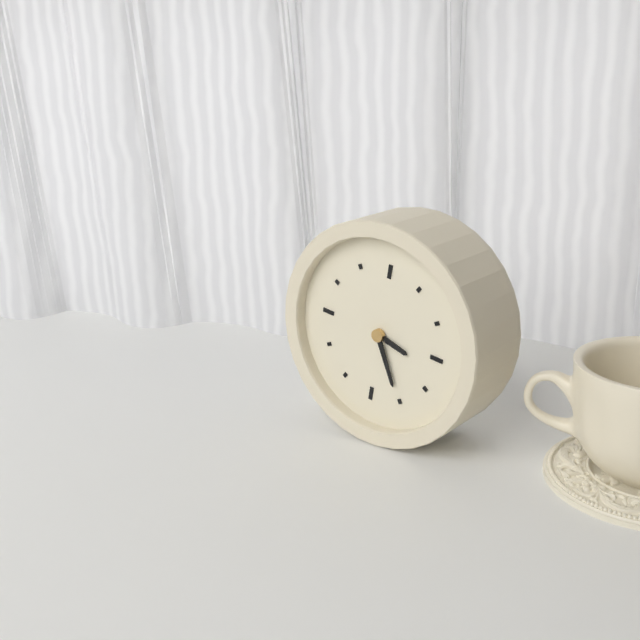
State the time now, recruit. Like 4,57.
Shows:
3,25
